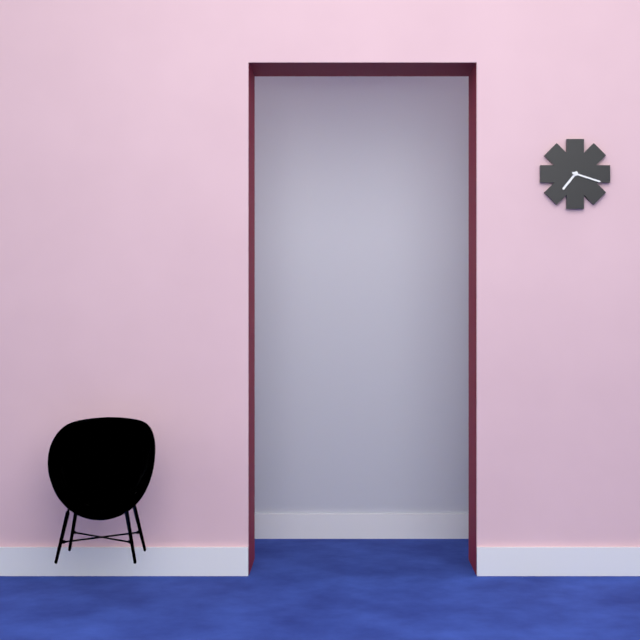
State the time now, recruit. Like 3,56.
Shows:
7,18
